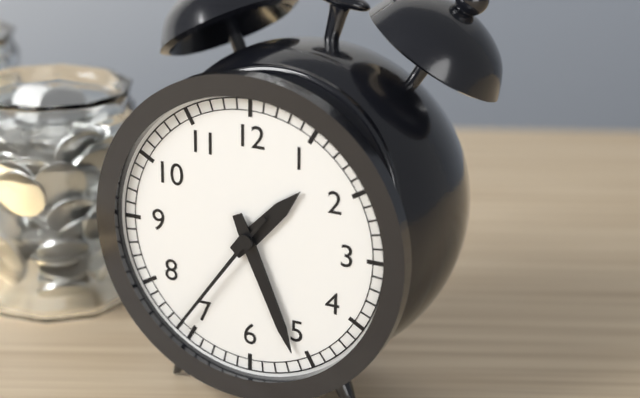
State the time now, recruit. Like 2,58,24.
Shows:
1,26,36
